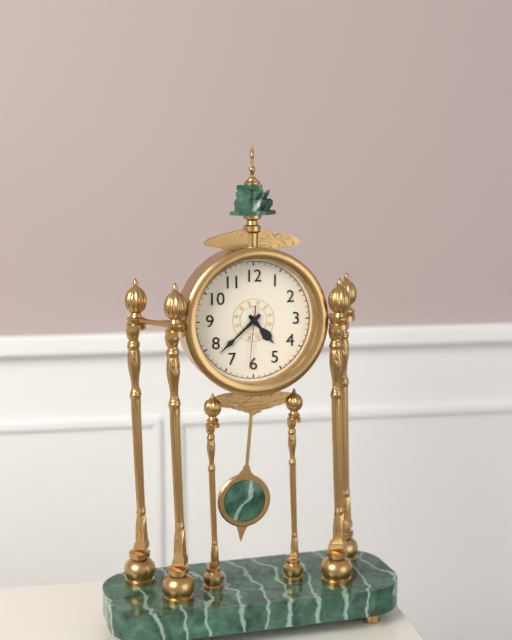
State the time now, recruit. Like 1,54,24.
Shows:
4,38,31
